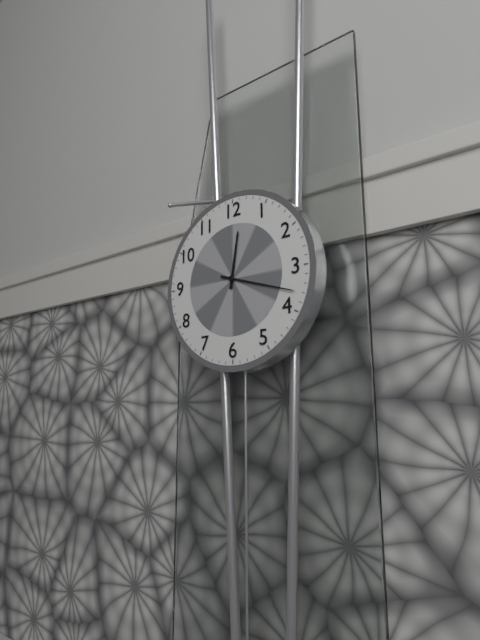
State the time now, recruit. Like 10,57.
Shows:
12,18
